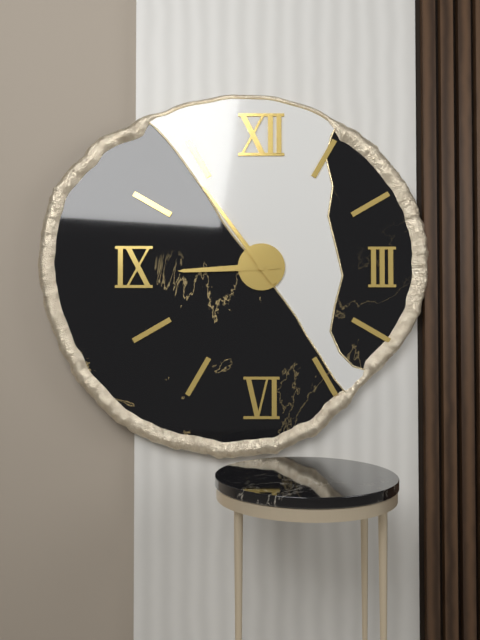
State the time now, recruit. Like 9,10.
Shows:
8,54
